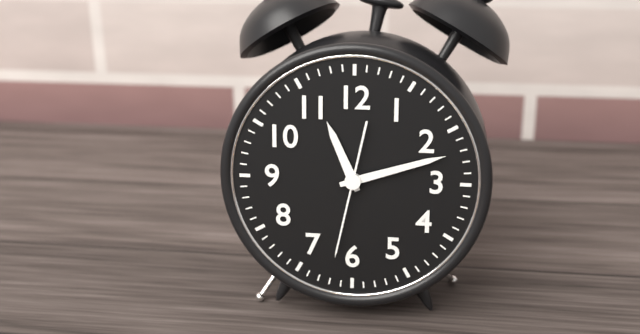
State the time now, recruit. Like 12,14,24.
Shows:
11,12,32
